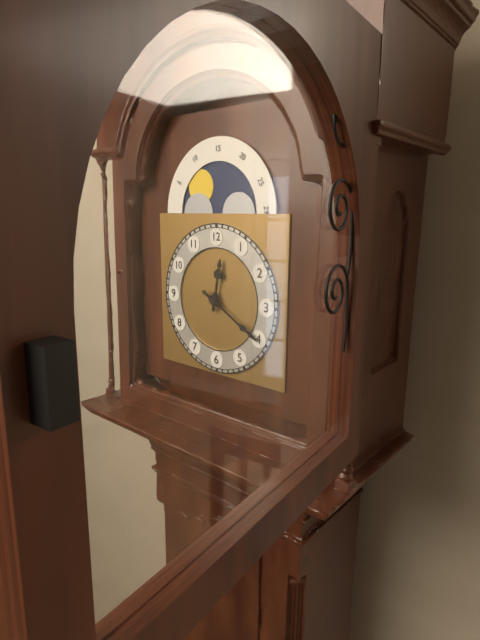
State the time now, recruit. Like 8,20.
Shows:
12,20
